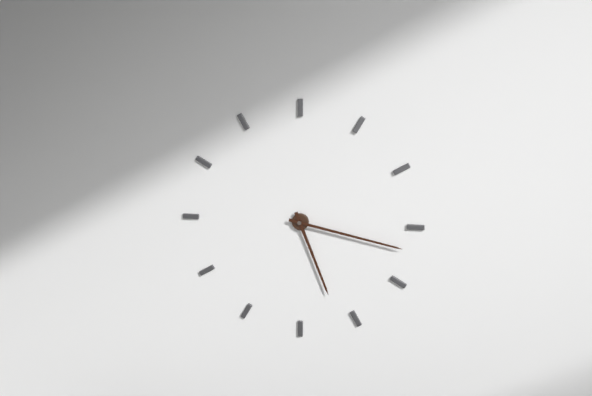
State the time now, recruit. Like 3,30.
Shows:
5,17
